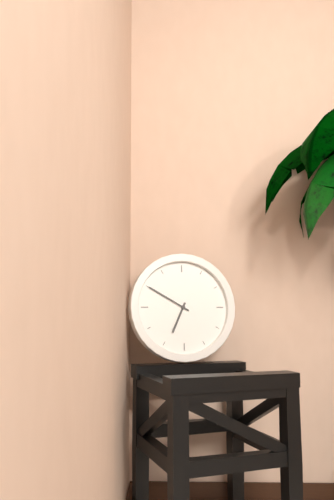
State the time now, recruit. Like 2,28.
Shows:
6,50
